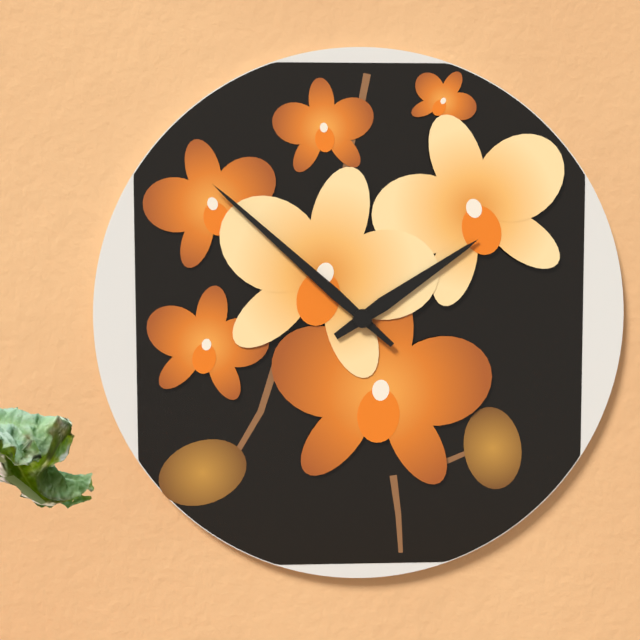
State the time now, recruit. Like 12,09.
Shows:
1,52
